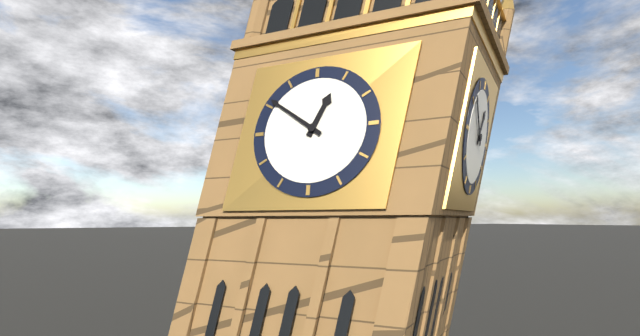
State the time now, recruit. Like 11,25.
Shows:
12,51
